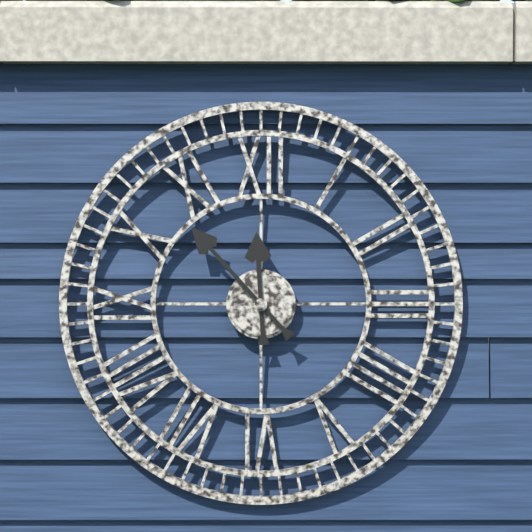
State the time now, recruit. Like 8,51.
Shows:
11,53
